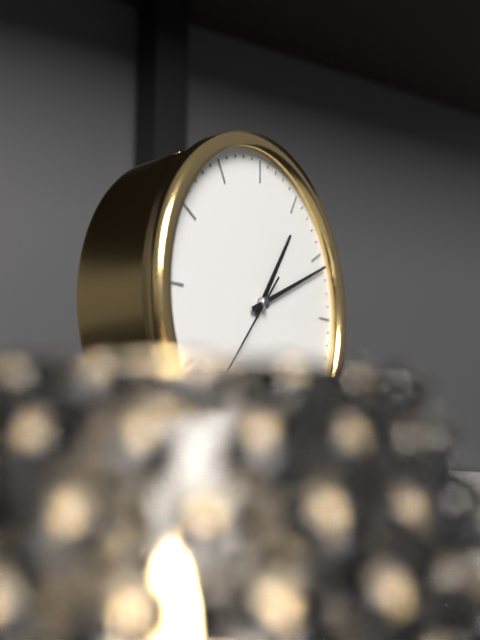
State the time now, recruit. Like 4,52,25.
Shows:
1,11,37
